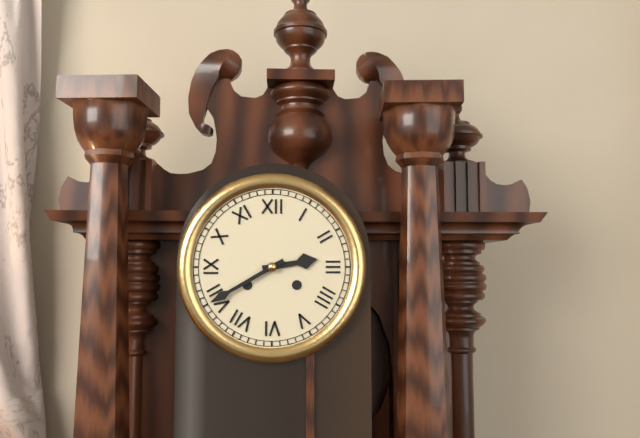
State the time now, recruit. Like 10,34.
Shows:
2,40
